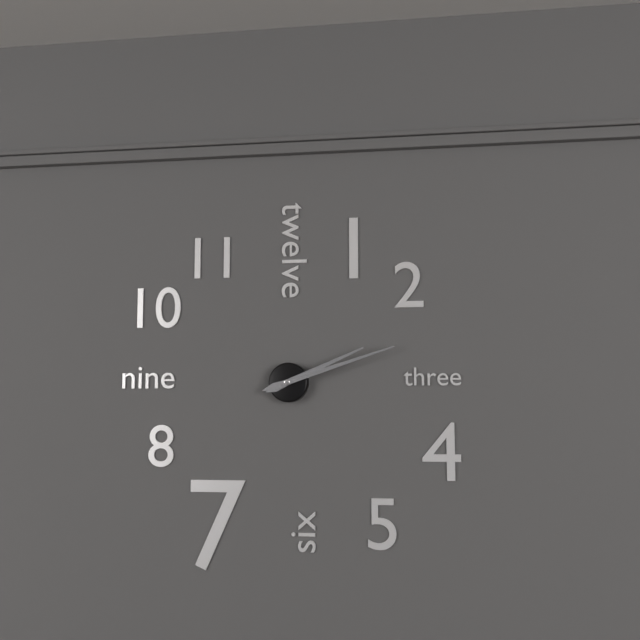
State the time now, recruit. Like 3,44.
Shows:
2,12
